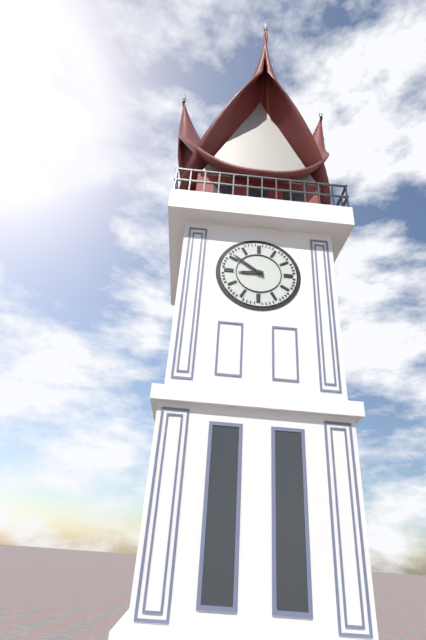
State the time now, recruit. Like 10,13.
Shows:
8,51
